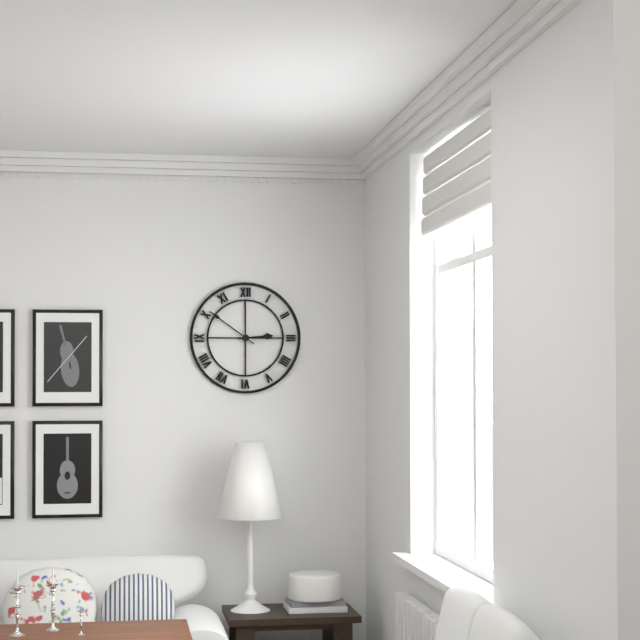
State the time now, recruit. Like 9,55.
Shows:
2,51
